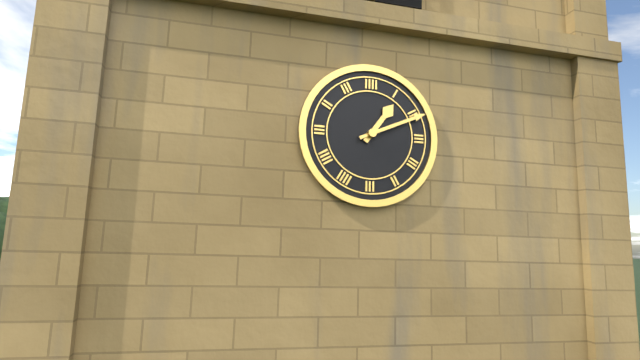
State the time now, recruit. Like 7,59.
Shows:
1,11
